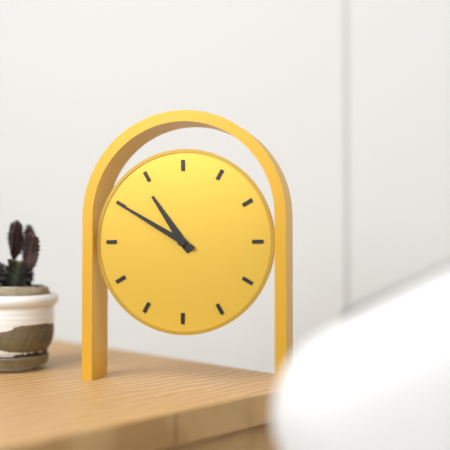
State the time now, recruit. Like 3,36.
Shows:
10,50
